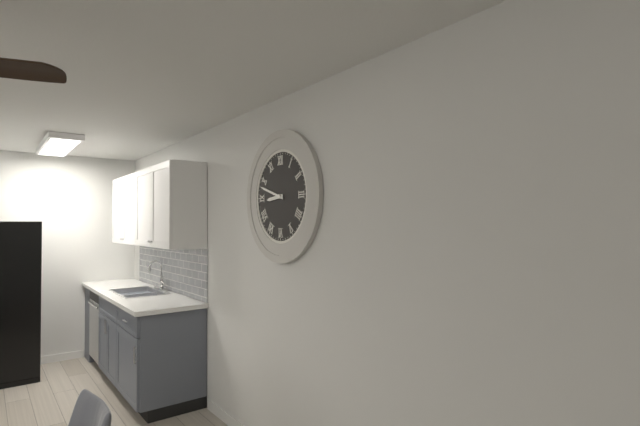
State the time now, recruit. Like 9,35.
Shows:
8,48
